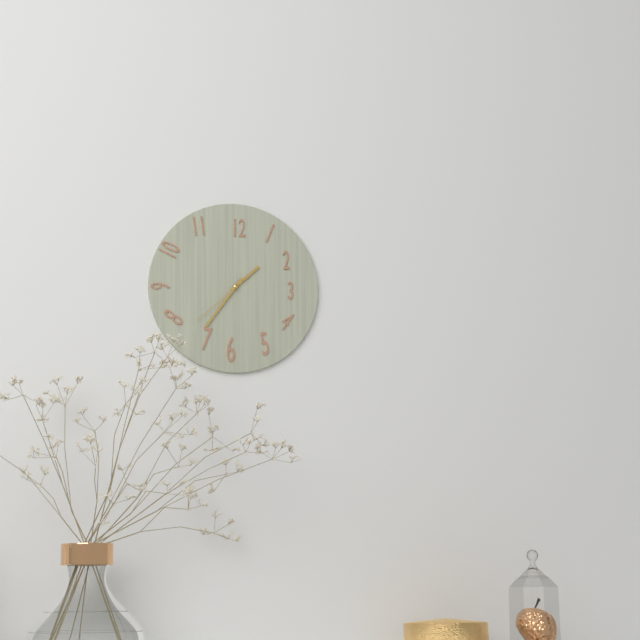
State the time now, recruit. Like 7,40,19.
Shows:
1,36,38
